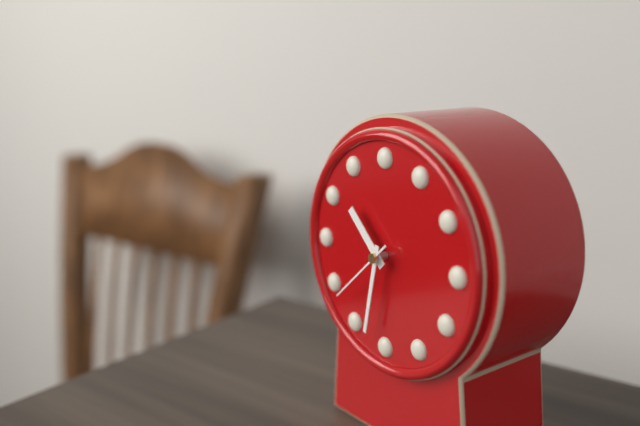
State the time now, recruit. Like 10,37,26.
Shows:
10,32,38
